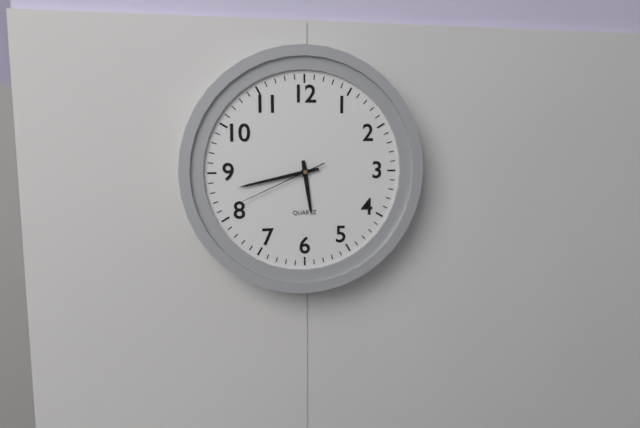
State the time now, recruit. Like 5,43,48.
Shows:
5,43,41
